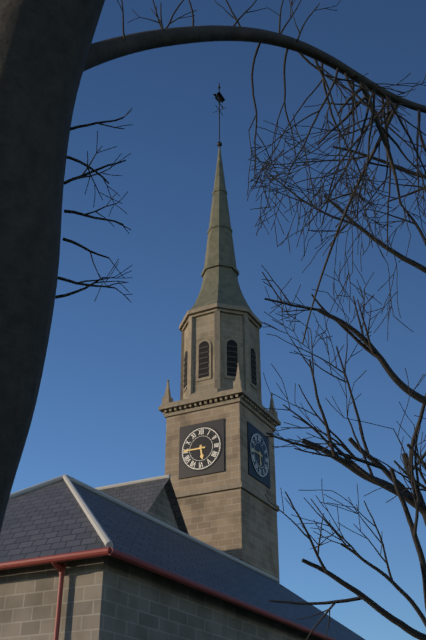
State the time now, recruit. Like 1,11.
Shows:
5,45
